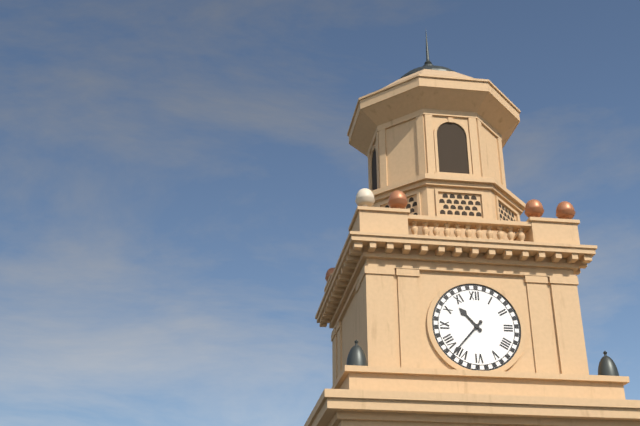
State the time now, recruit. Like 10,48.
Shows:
10,37
